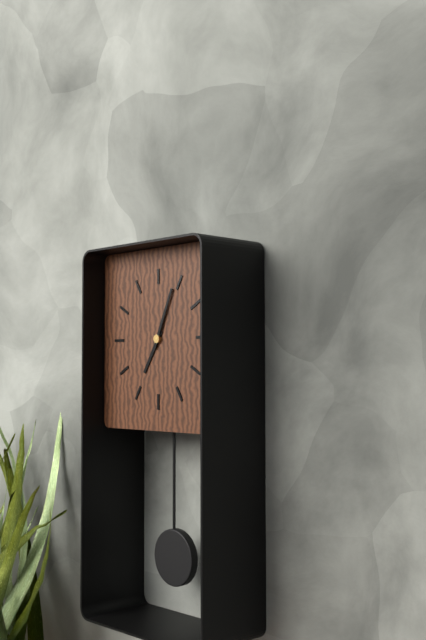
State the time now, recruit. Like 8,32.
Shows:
7,04
